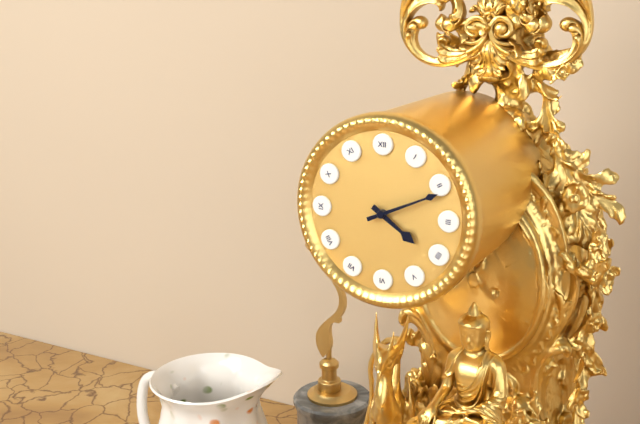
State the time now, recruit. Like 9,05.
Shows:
4,11
